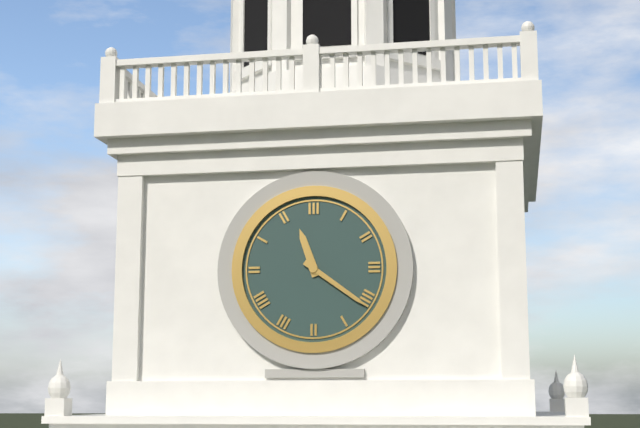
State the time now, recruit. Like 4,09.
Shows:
11,21
